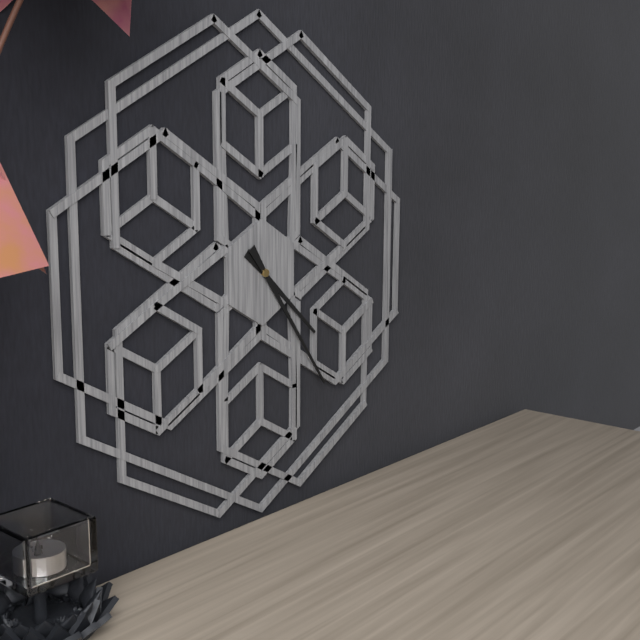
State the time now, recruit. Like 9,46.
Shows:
4,24
